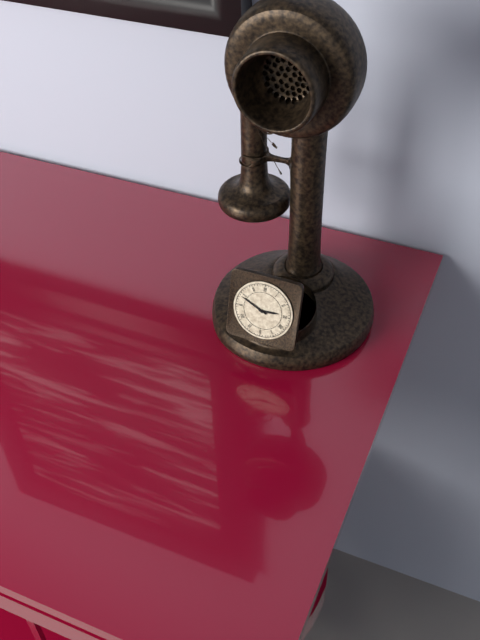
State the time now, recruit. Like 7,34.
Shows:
2,49
